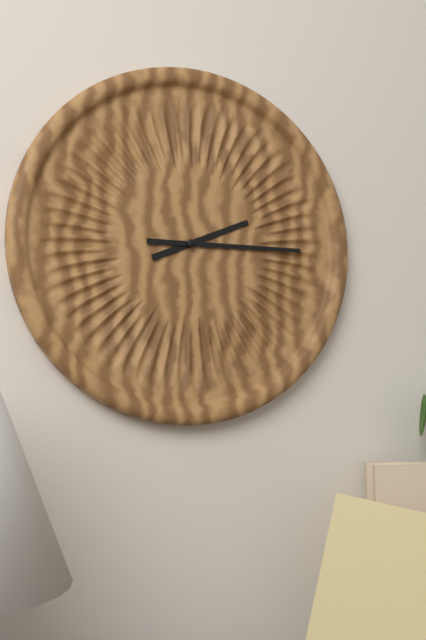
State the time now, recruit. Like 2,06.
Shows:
2,15
